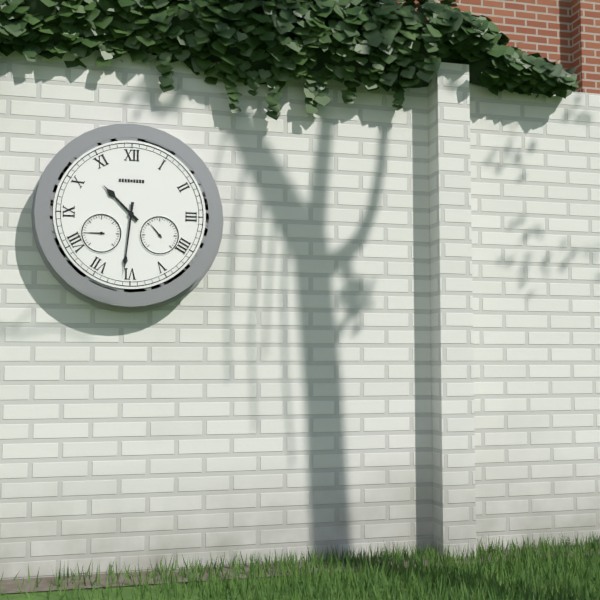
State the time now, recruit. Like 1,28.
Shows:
10,31
